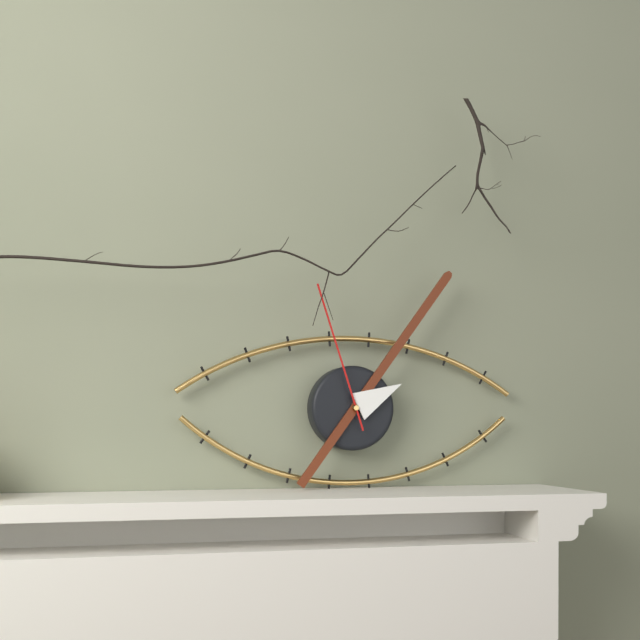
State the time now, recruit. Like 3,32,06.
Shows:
2,06,57
